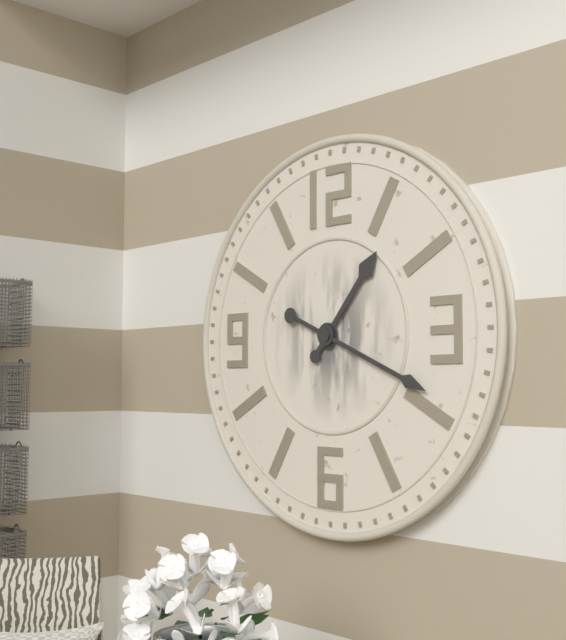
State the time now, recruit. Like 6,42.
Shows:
1,19
